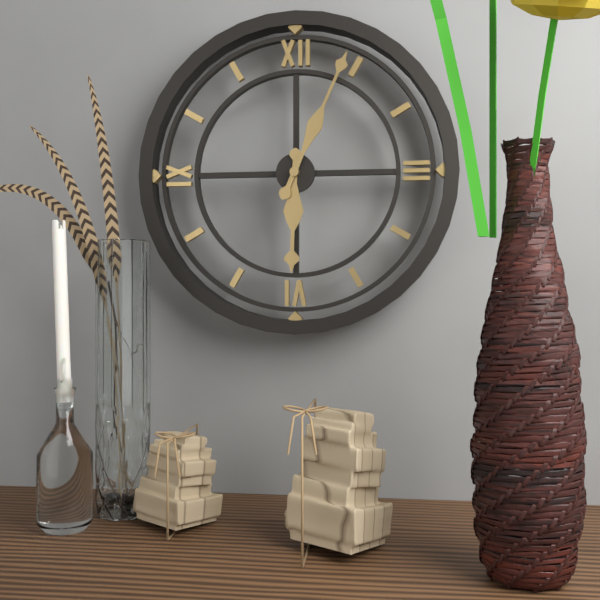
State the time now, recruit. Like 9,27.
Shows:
6,04
